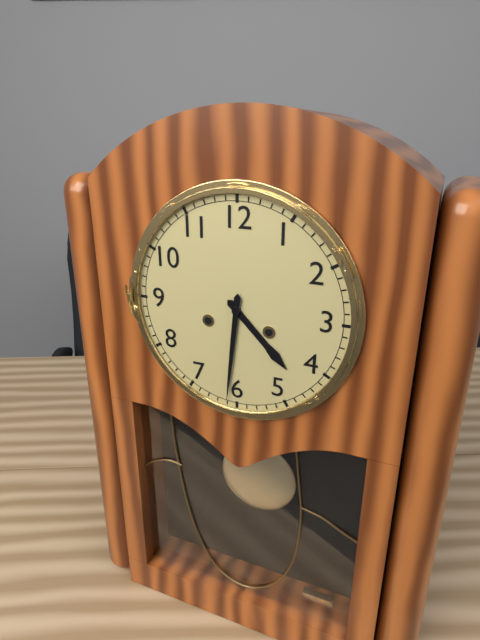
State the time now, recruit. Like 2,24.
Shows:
4,31
